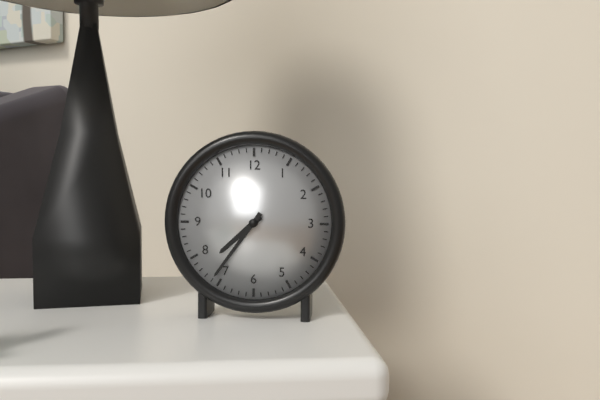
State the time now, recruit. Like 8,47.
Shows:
7,36
